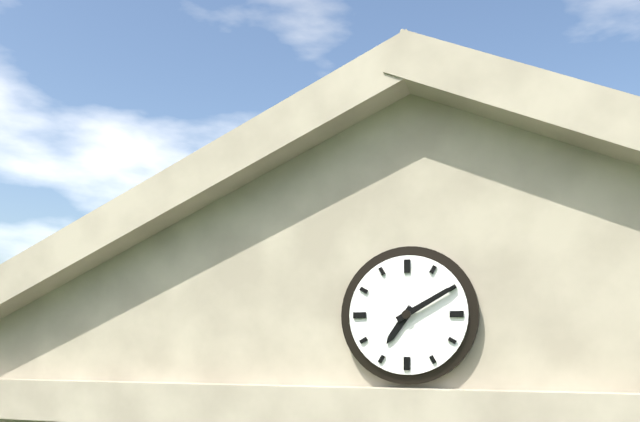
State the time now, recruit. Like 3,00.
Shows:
7,10
